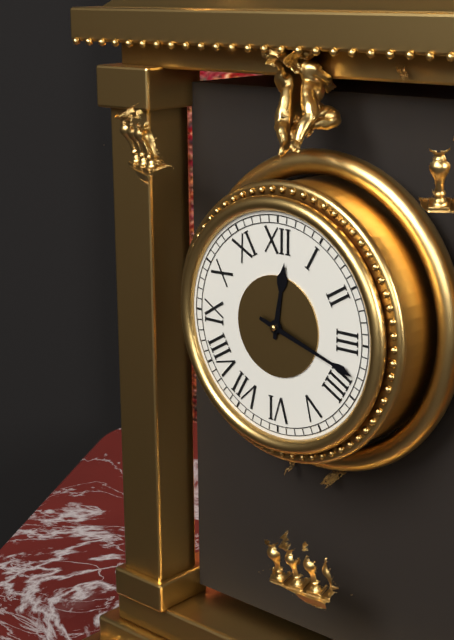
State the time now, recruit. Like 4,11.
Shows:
12,18
